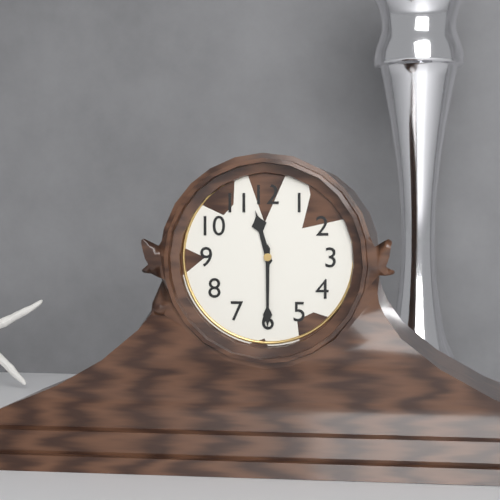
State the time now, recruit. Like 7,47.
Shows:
11,30
